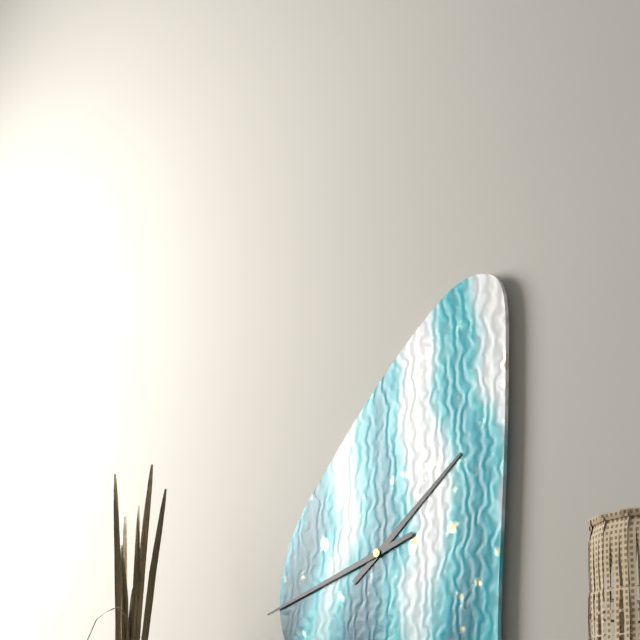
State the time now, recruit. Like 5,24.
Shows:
1,42
